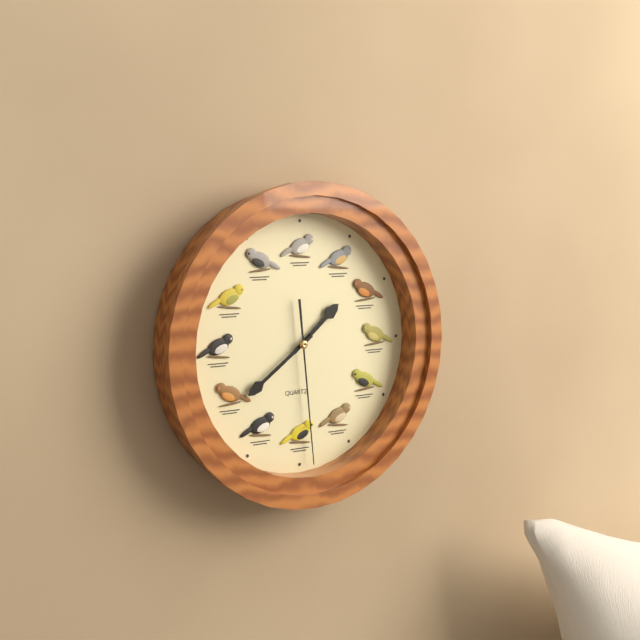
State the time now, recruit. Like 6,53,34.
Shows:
1,39,29
